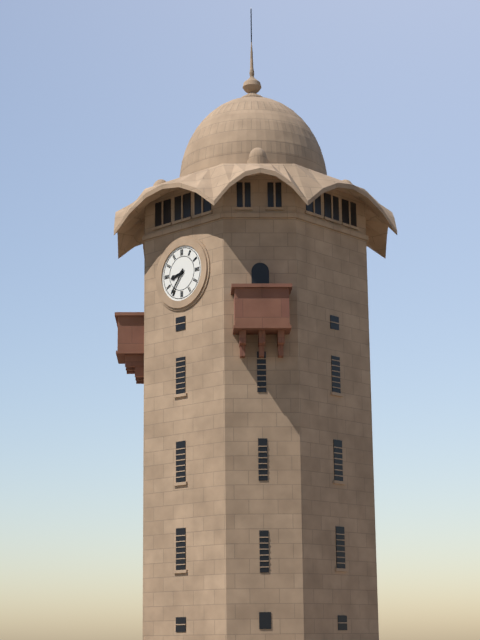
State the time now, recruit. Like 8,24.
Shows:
8,36
